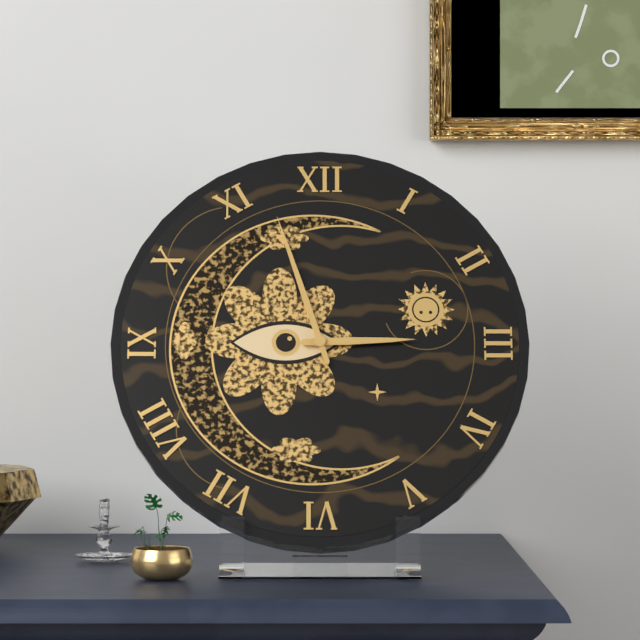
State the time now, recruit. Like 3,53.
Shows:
2,57
